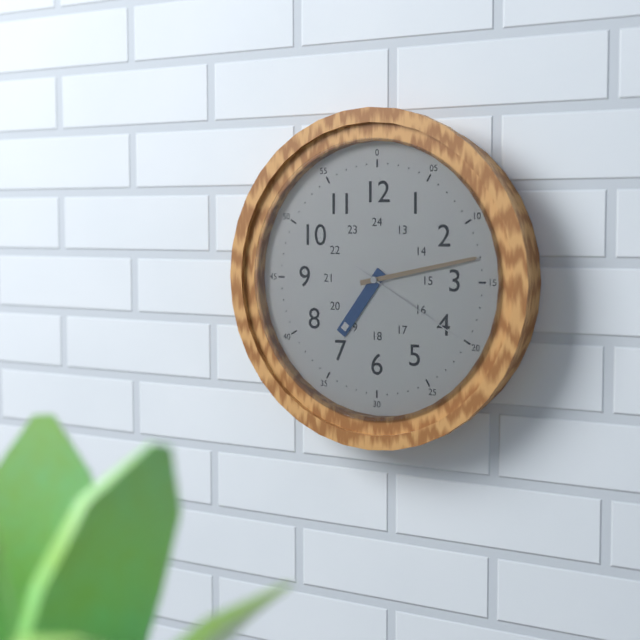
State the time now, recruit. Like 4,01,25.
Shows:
7,13,20
